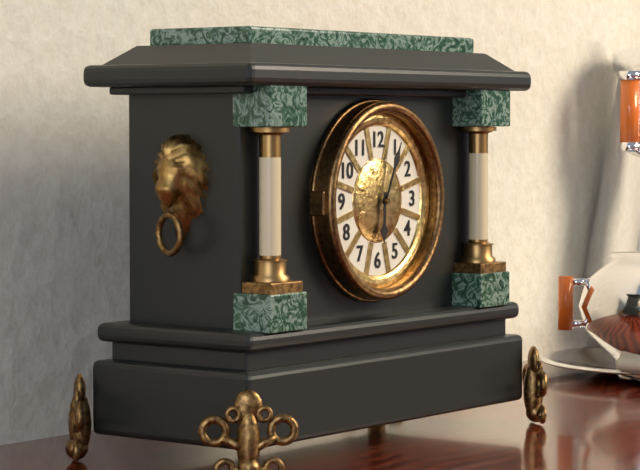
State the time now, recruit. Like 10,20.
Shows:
6,04
